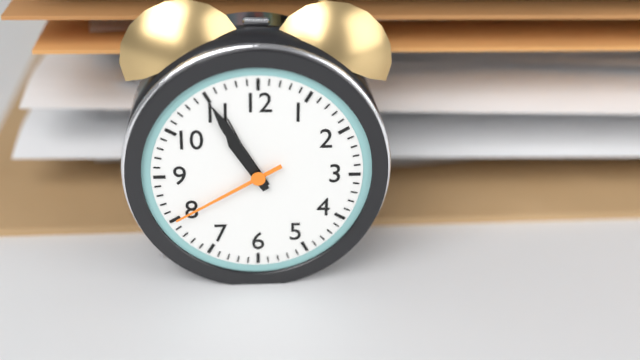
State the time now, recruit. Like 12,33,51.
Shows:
10,55,40
